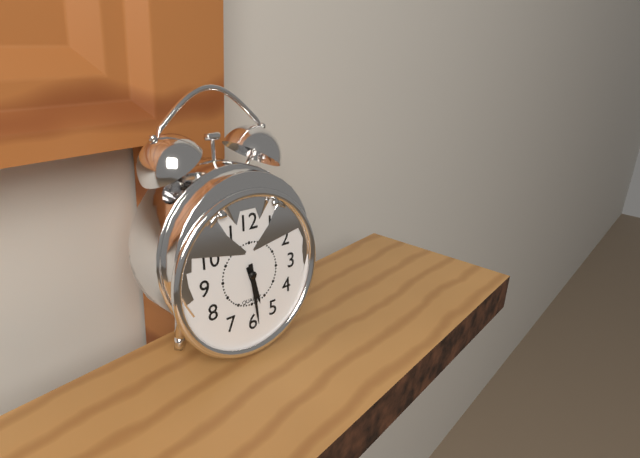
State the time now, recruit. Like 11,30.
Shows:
5,29
